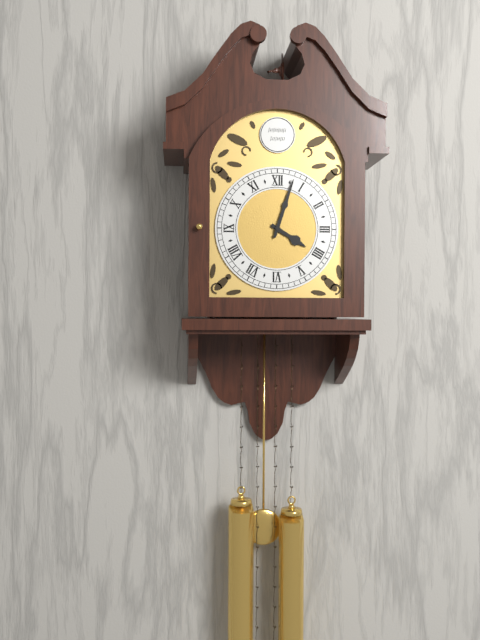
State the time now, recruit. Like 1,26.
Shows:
4,03
